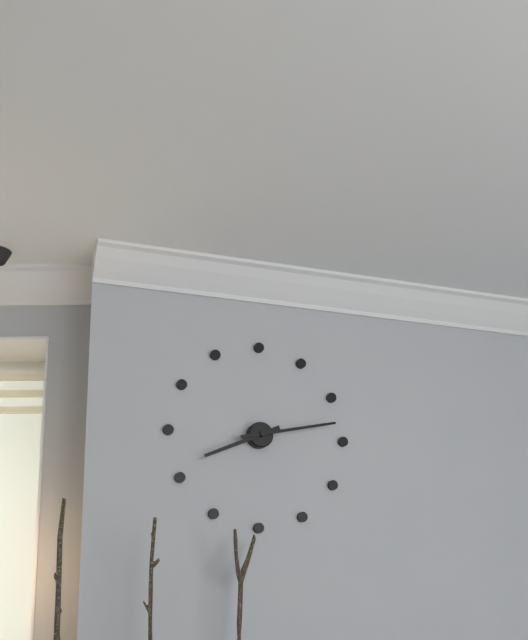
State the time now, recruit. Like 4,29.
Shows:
8,13
